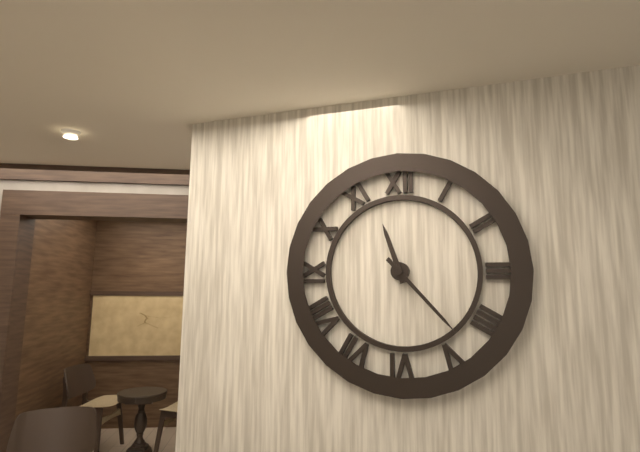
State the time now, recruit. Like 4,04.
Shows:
11,23
